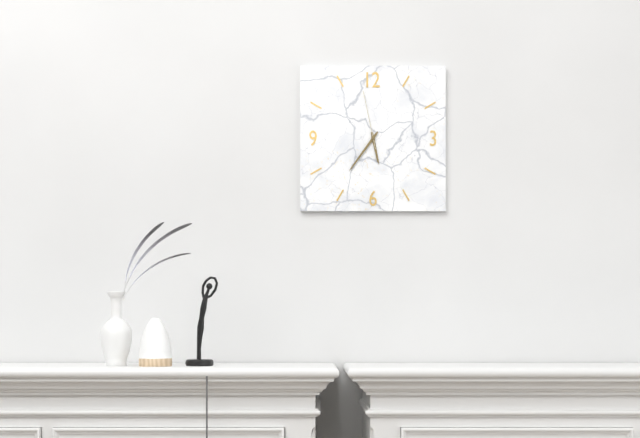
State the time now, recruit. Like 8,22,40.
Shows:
5,36,58
